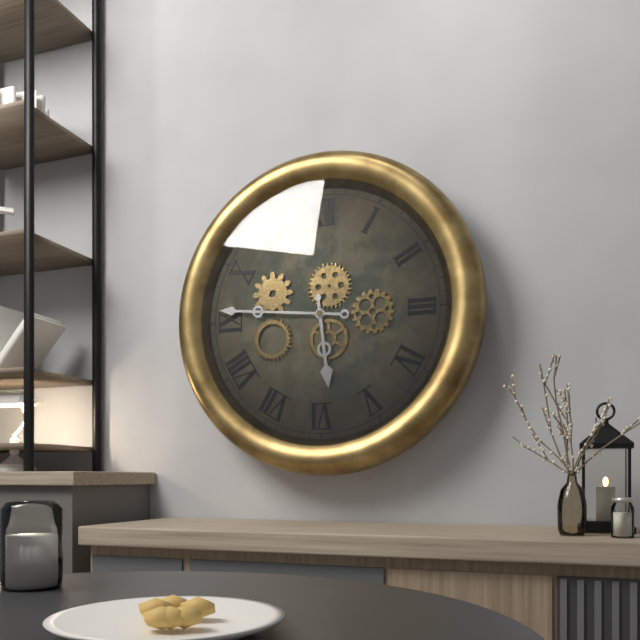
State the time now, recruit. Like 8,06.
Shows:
5,46
